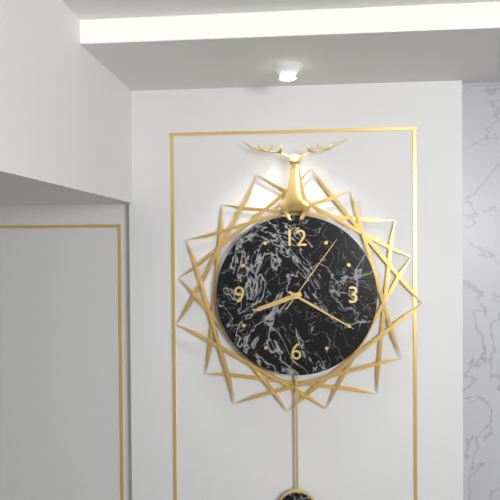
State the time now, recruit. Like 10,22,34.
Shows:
8,20,06
